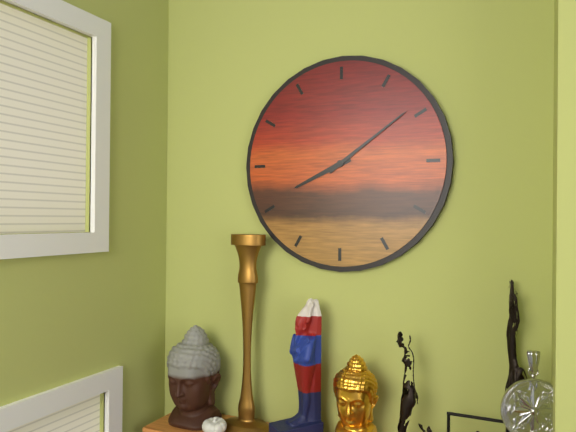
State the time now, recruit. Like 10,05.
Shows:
8,09
